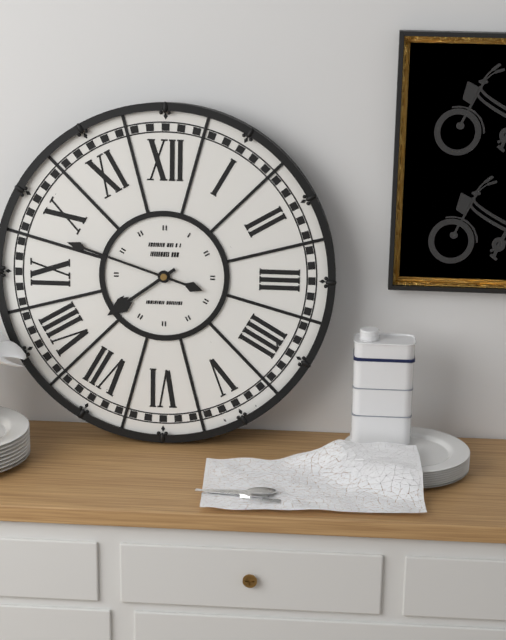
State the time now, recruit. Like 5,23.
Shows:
7,48
